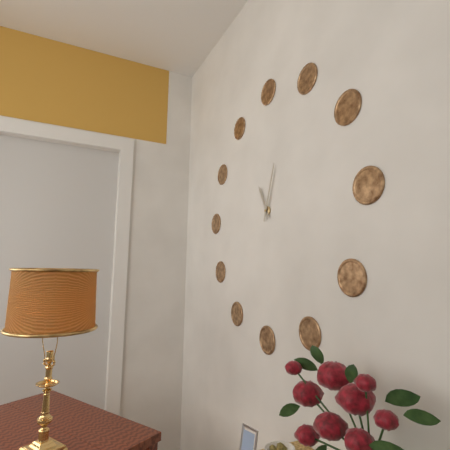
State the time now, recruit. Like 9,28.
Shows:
11,03
